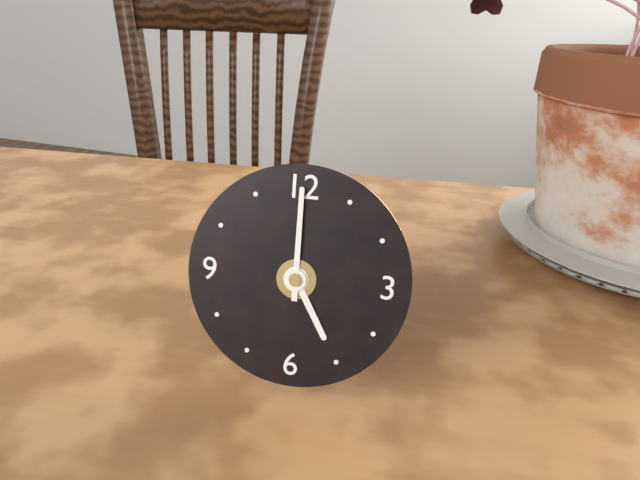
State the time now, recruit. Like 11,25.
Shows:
5,00
